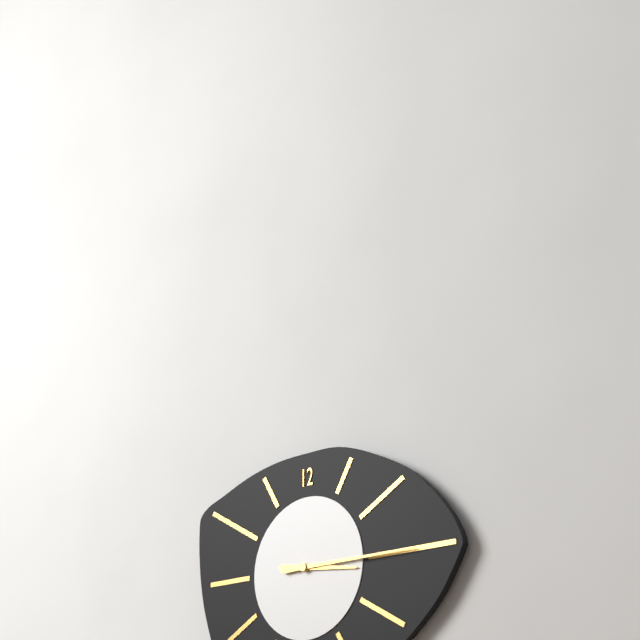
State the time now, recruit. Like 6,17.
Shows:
3,15
